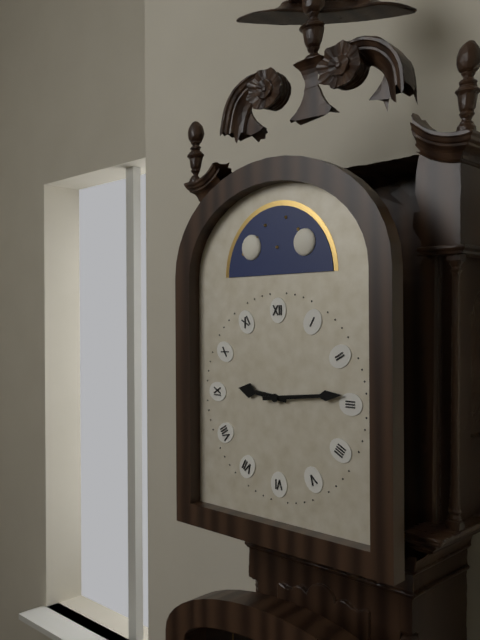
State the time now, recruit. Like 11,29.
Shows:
9,14
